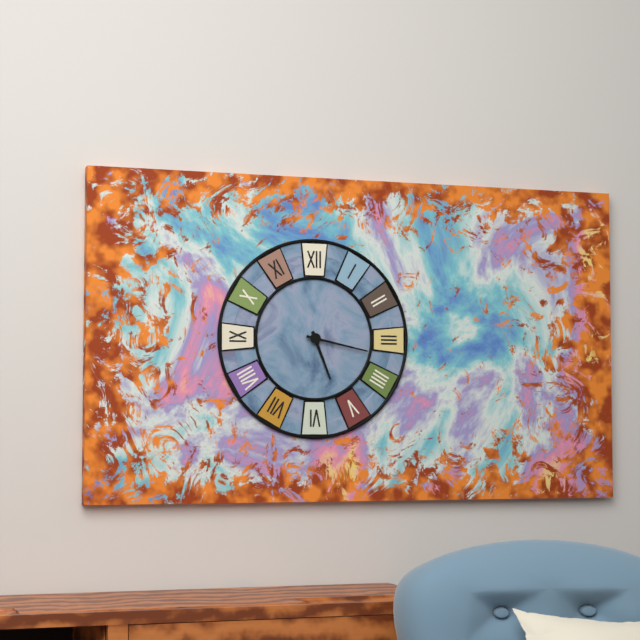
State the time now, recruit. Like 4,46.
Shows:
5,17
